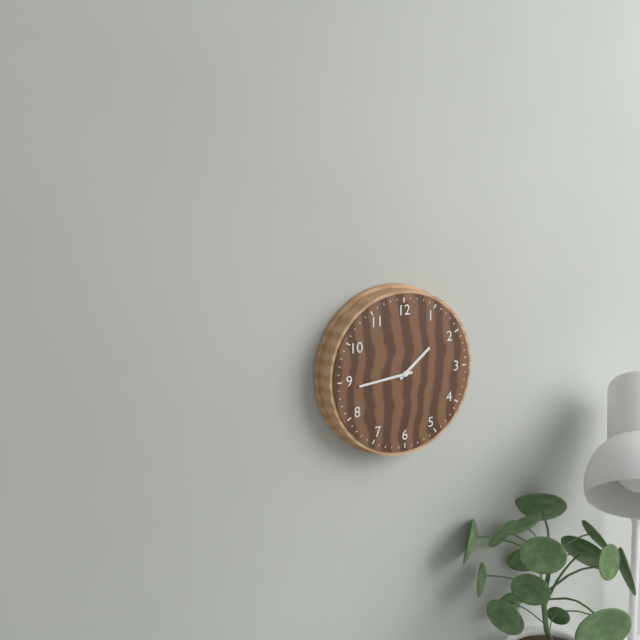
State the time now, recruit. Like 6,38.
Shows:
1,44
